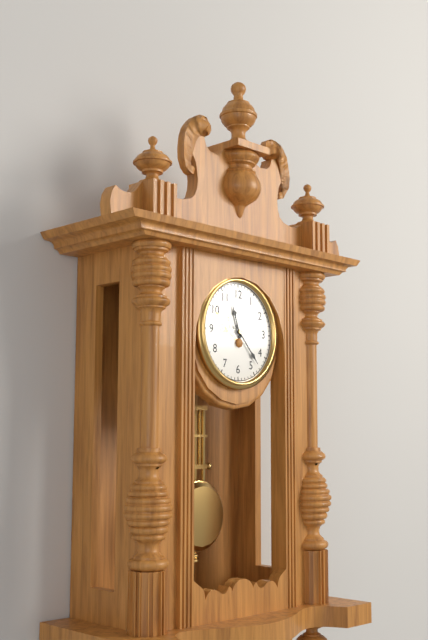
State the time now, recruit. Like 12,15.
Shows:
11,23
